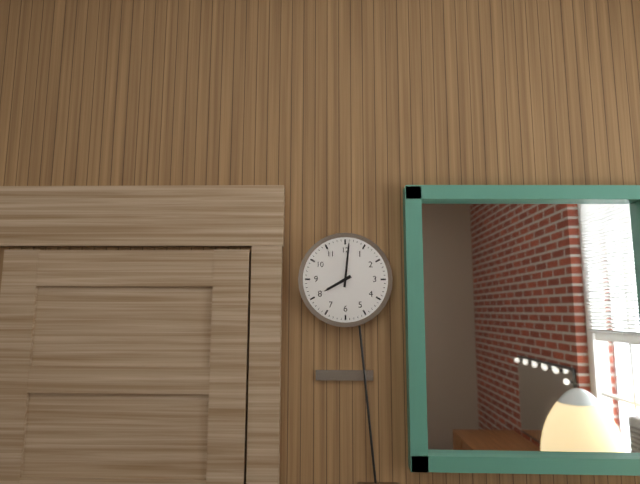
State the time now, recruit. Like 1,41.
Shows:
8,01
